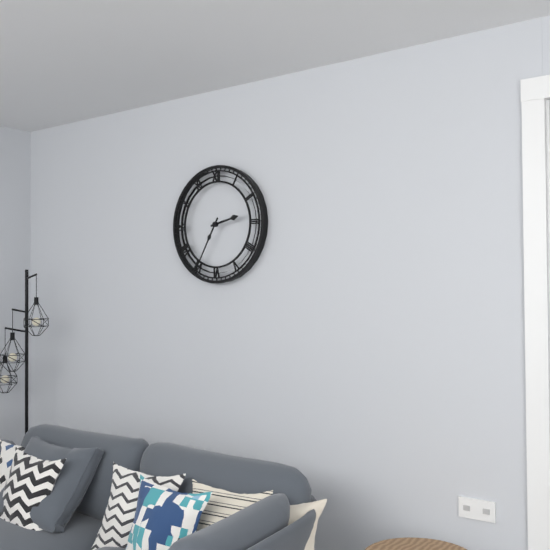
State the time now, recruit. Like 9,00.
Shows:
2,35
